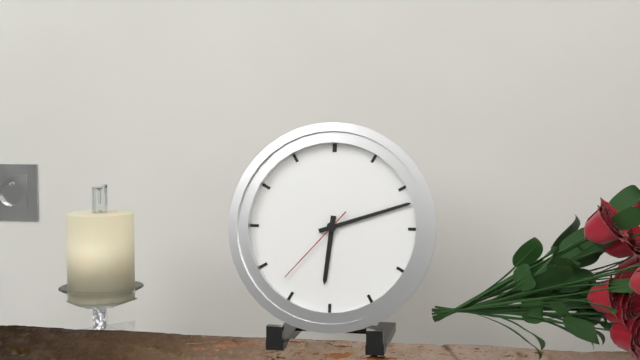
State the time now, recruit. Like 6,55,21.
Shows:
6,12,37
